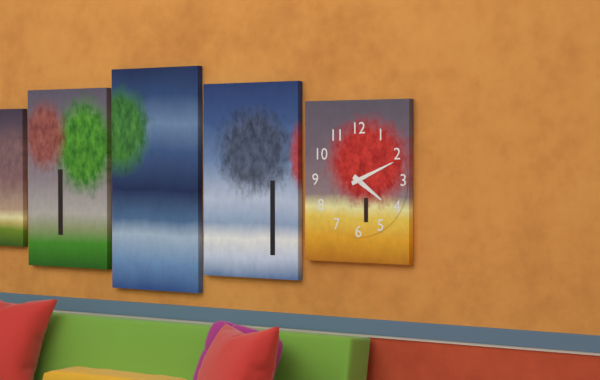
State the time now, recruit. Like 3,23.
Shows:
4,11
